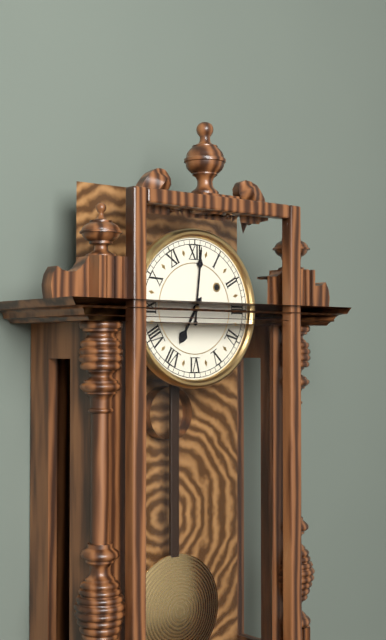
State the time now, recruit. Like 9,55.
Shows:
7,01
